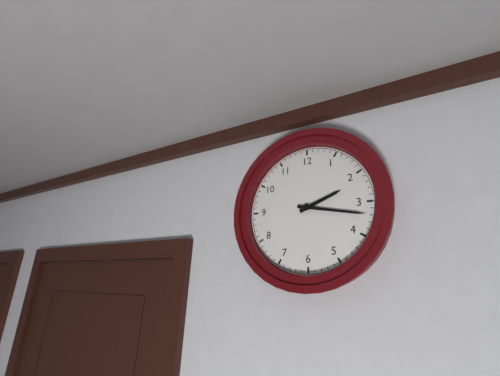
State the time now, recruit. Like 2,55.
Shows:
2,17
